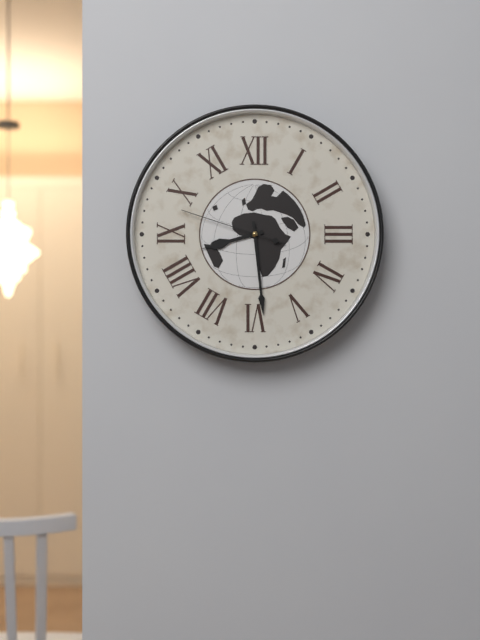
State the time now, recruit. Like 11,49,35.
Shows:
8,29,48
